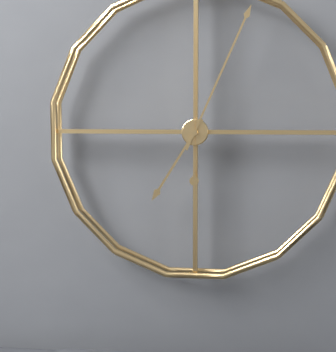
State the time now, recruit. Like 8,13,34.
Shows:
7,04,00
